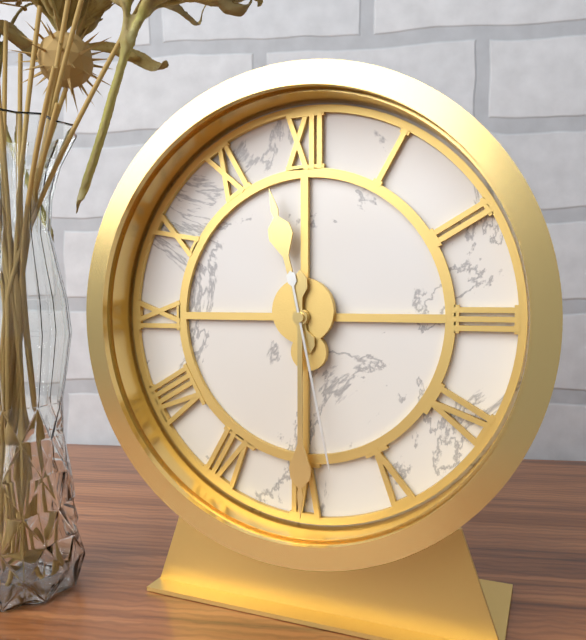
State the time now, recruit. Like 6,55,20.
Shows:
11,30,28
